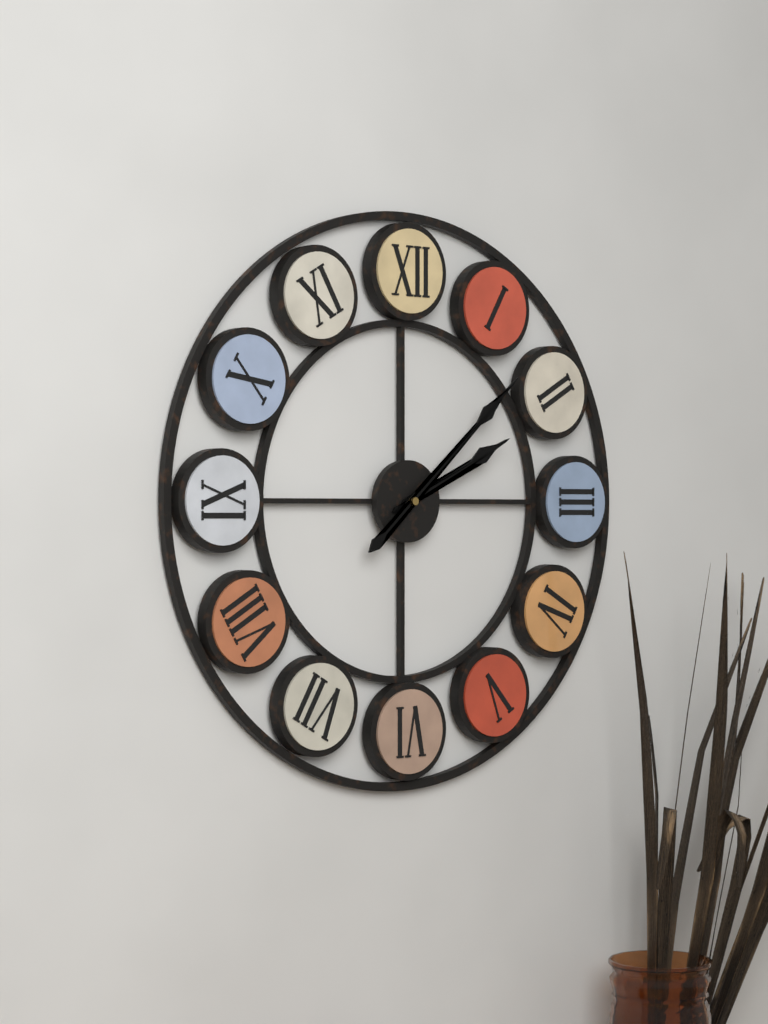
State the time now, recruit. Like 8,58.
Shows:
2,08
